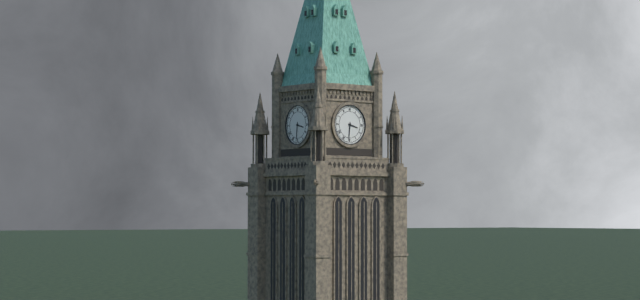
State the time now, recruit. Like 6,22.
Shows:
3,31
